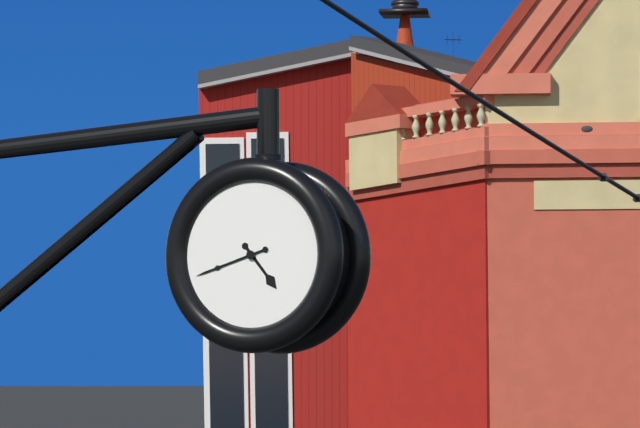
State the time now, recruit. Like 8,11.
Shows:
4,42
